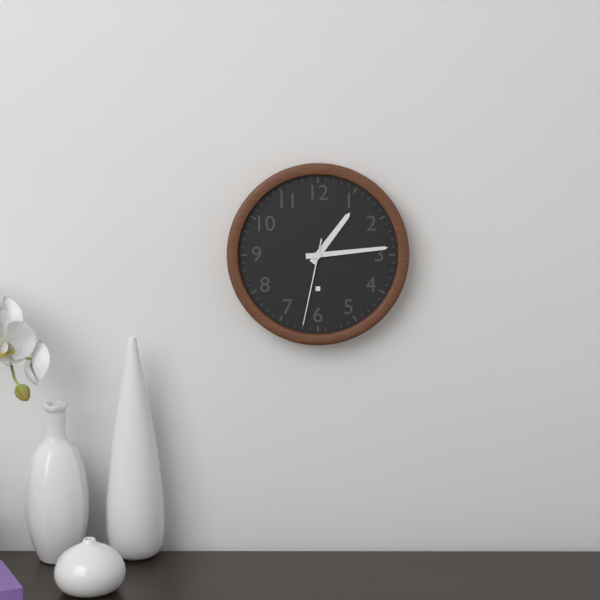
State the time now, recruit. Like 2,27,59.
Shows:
1,14,32
